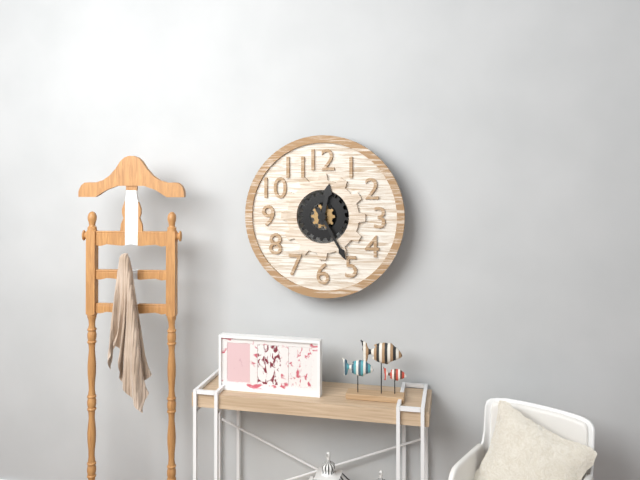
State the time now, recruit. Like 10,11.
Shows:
12,25
